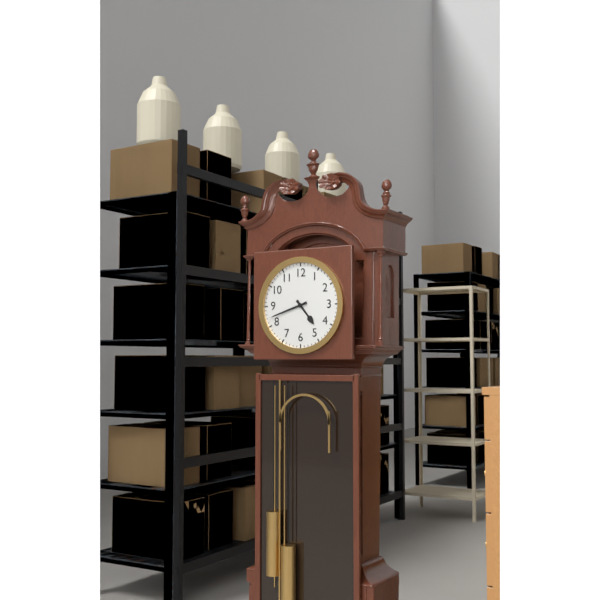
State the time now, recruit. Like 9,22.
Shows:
4,42
